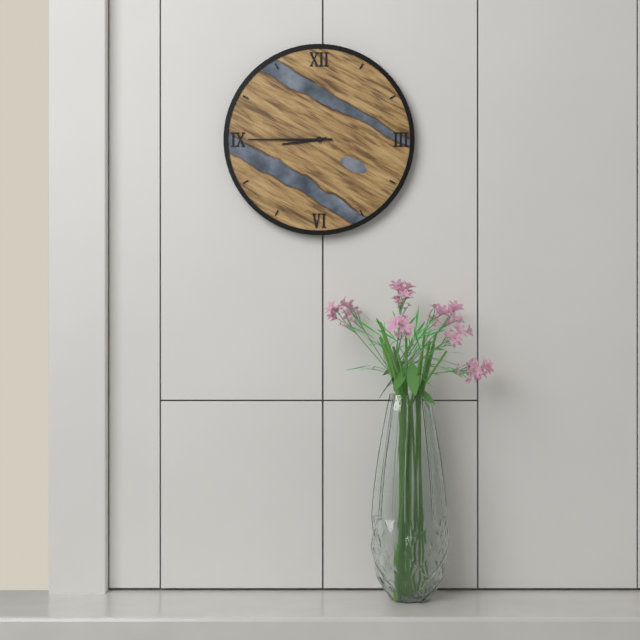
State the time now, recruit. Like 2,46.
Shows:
8,45
